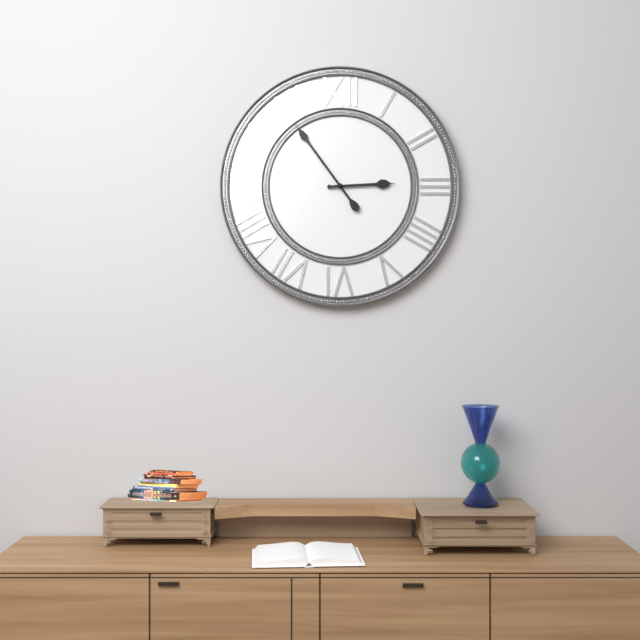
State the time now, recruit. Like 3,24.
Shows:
2,54
